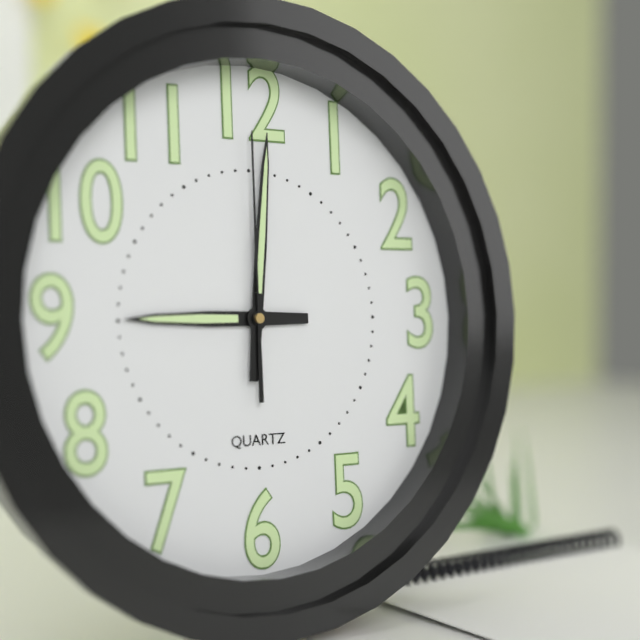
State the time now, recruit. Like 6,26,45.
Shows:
9,01,00
